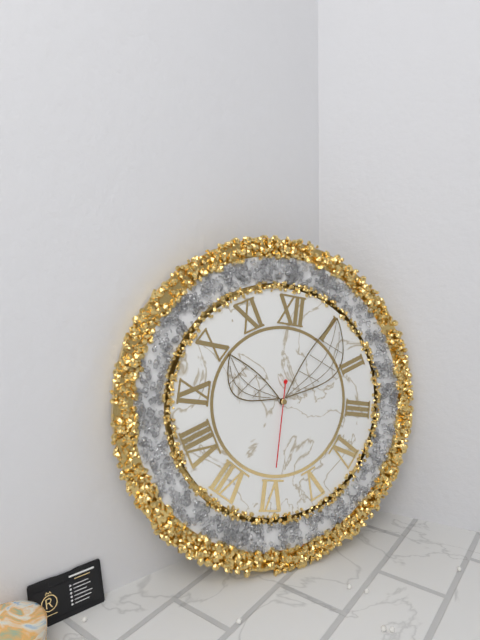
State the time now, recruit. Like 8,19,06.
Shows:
10,05,30
